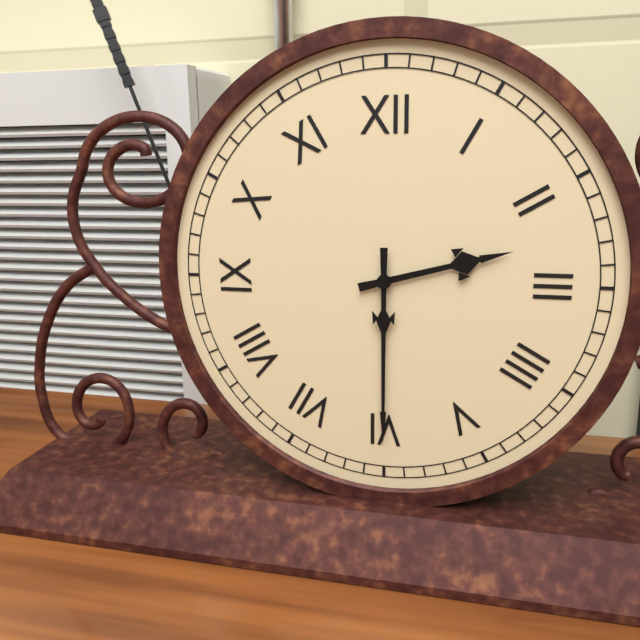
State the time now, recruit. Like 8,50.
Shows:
2,30
